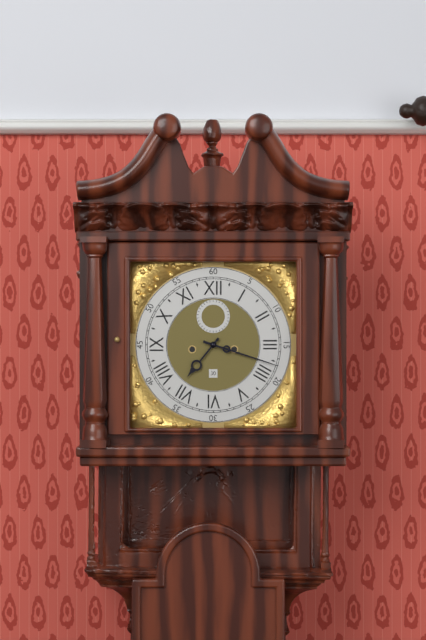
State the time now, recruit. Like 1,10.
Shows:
7,18
